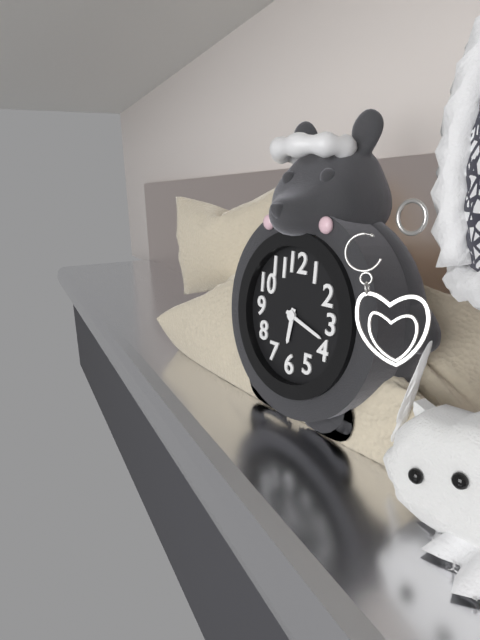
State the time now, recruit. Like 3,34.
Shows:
6,18
